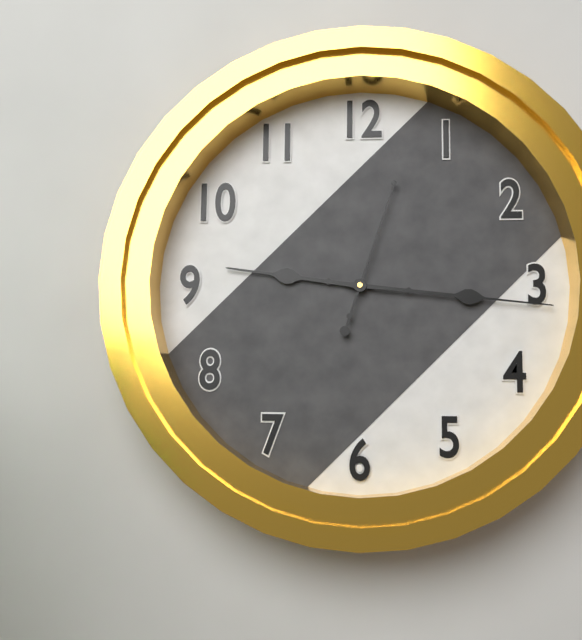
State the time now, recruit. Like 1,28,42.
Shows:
9,16,03
